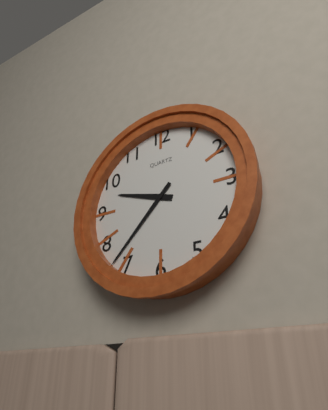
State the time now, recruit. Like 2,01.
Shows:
9,37
